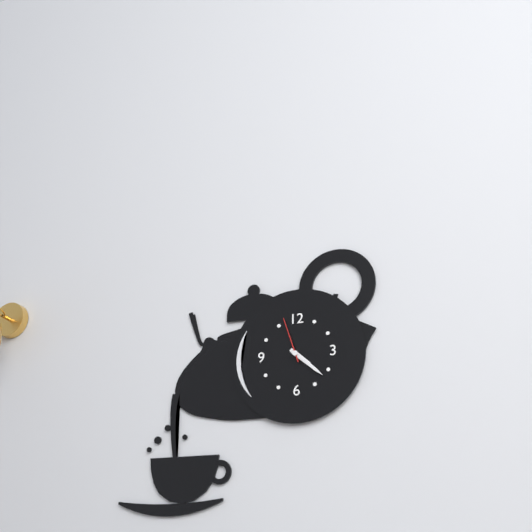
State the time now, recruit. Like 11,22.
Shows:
4,22
